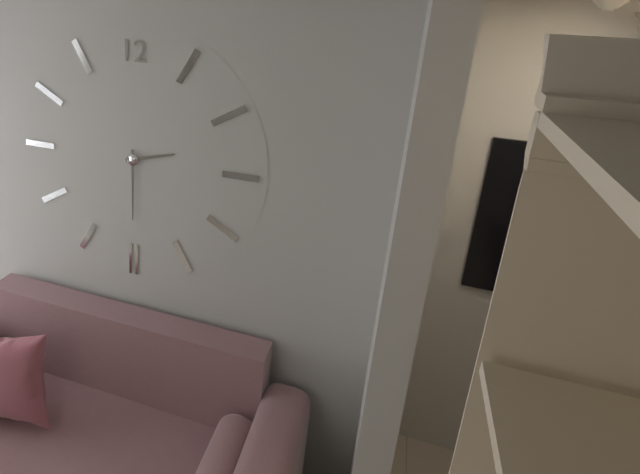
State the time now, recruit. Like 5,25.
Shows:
2,30
